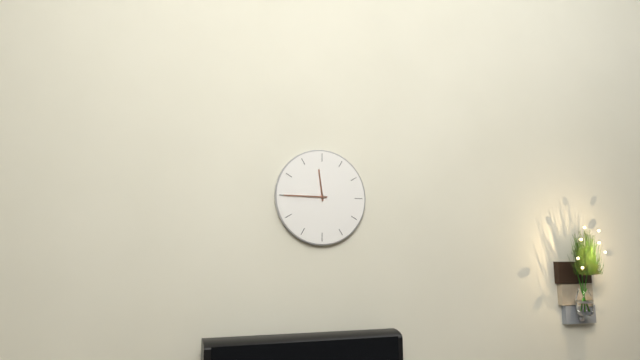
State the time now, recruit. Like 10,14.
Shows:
11,45
